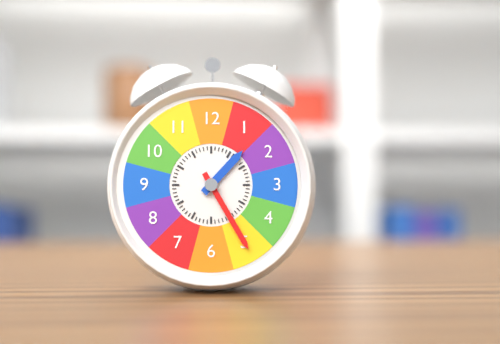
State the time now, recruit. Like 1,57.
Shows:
1,25
